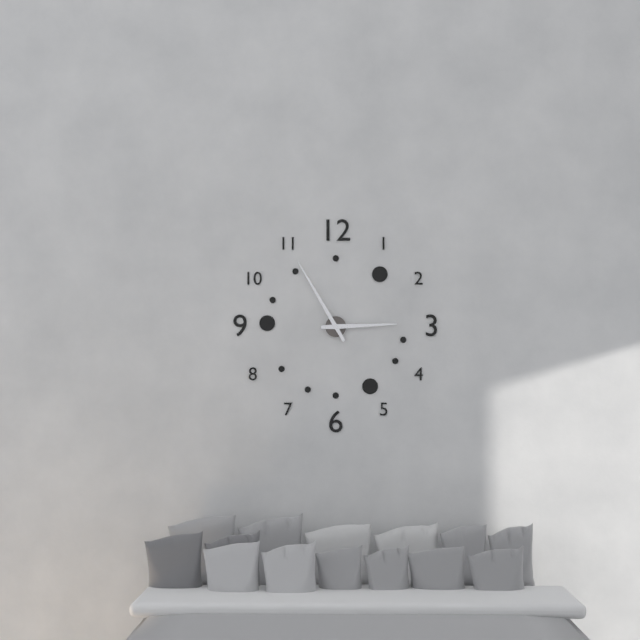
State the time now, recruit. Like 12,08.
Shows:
2,55
